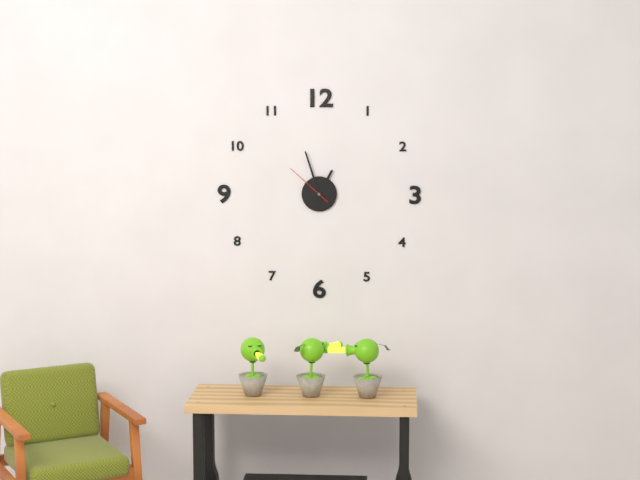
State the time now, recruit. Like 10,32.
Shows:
12,57
